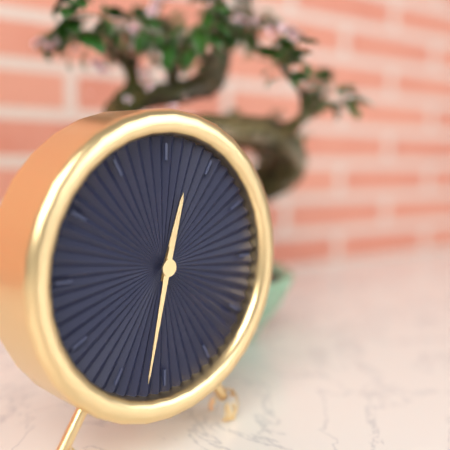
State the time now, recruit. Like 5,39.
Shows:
12,32
